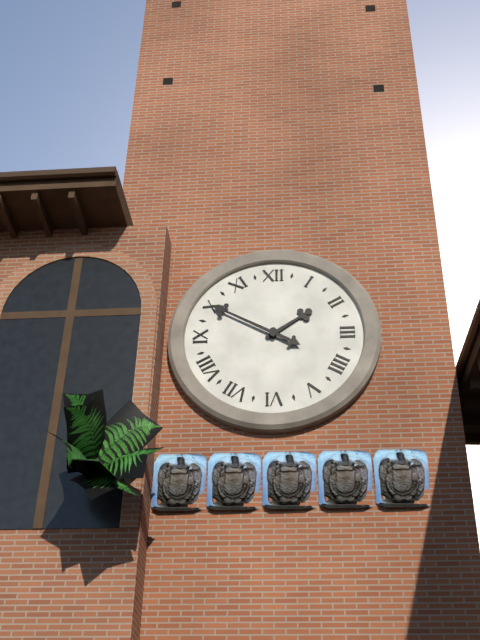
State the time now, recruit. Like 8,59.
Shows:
1,50
